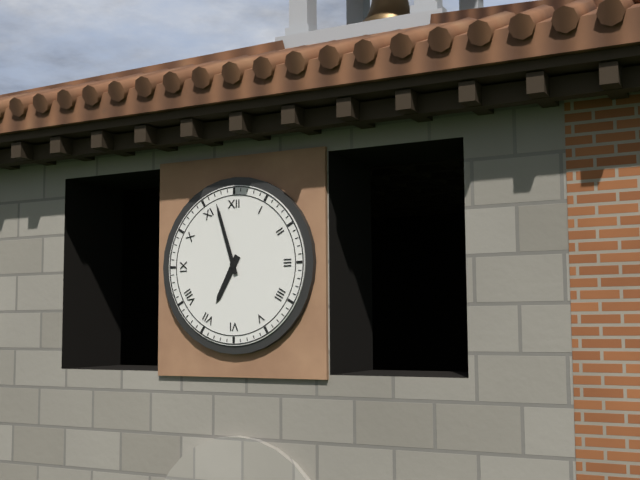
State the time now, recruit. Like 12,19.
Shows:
6,57
